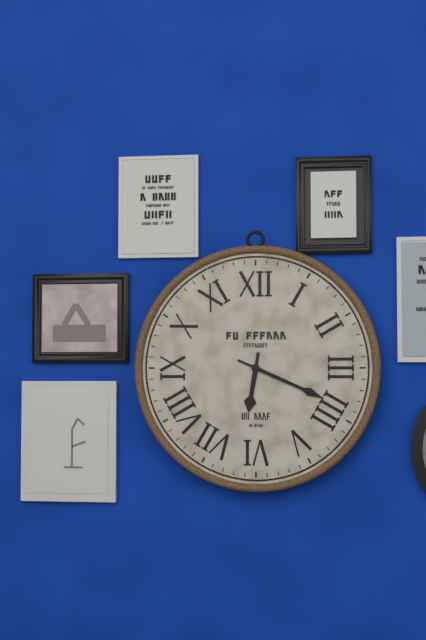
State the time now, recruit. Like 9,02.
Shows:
6,19
